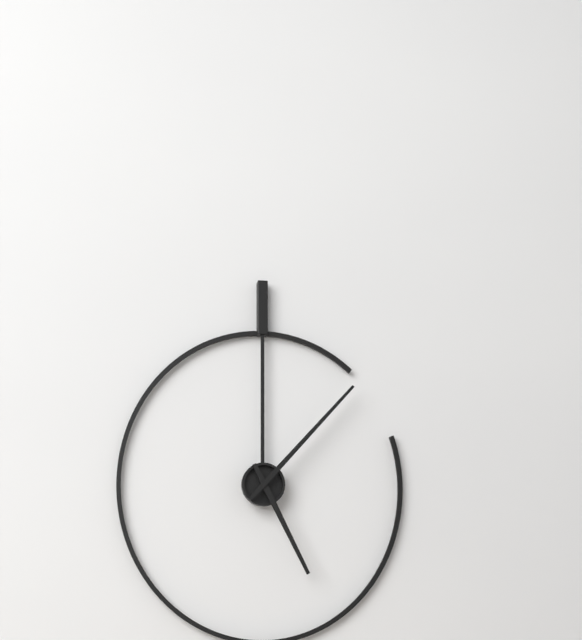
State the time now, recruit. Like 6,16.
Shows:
5,07
